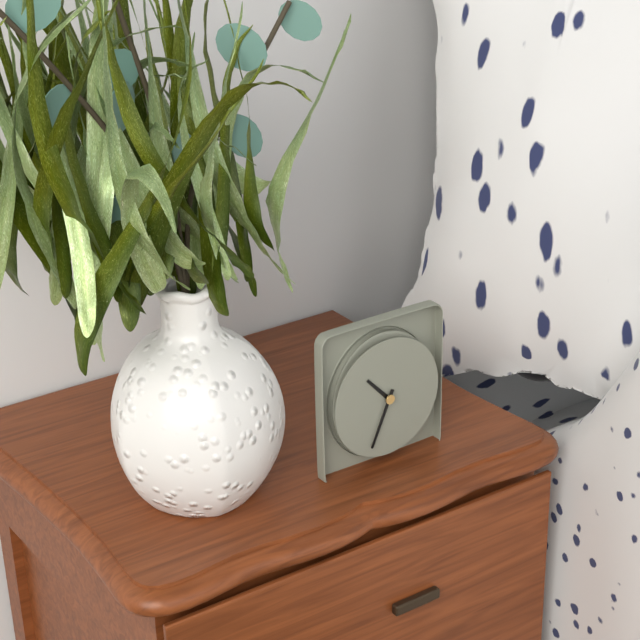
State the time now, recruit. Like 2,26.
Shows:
10,34
